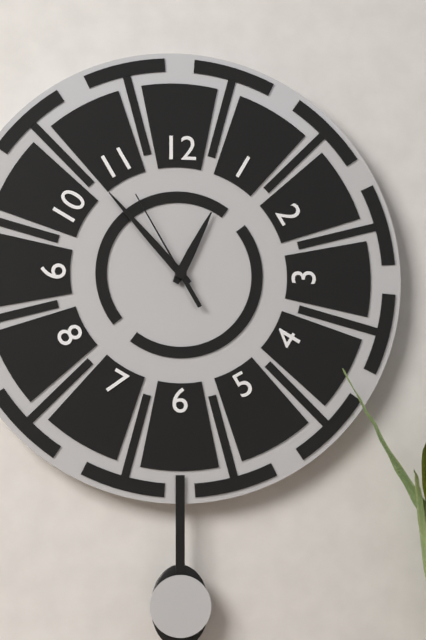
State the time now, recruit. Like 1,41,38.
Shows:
12,53,55
